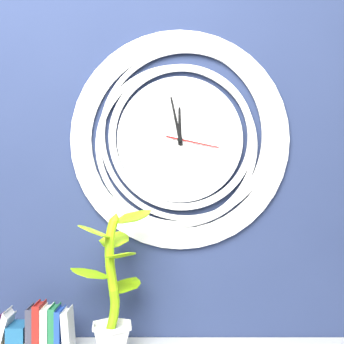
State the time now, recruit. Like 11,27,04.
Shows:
11,58,17
